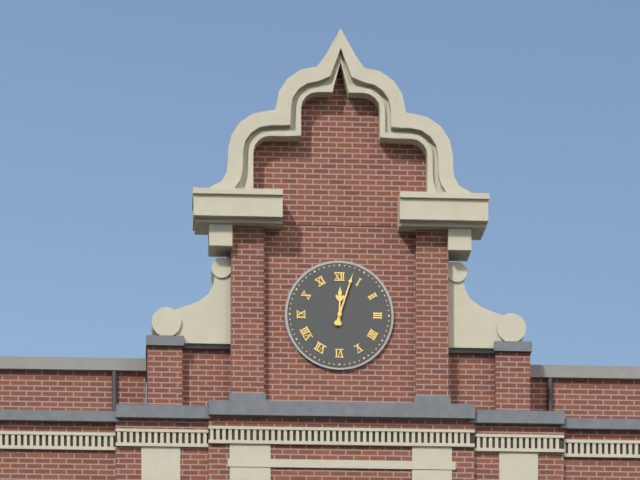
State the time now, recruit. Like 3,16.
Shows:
12,03
